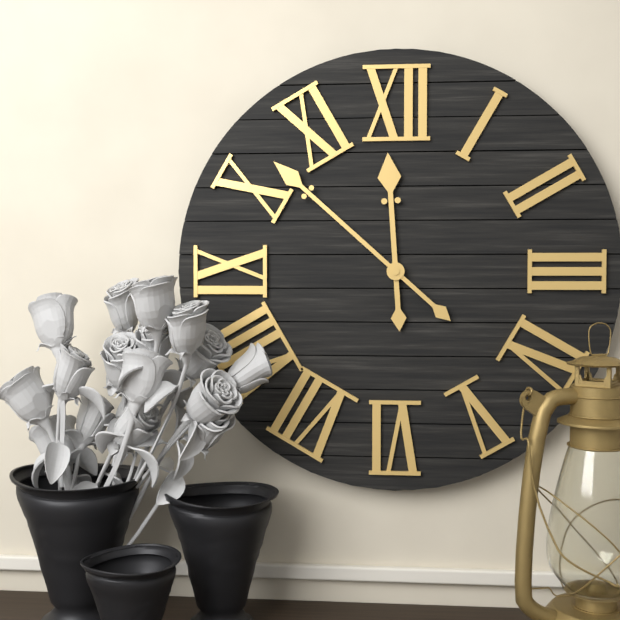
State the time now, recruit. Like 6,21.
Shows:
11,52
